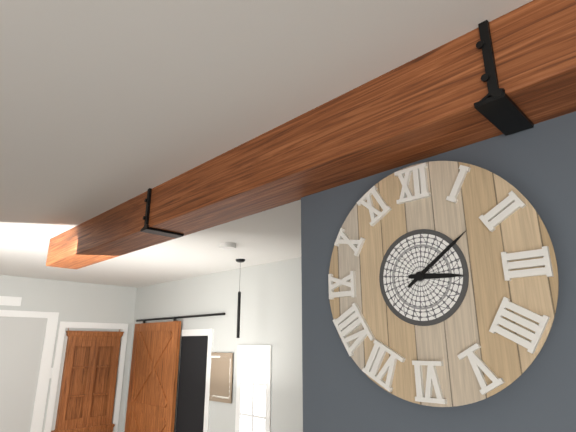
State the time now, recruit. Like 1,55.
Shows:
3,09
